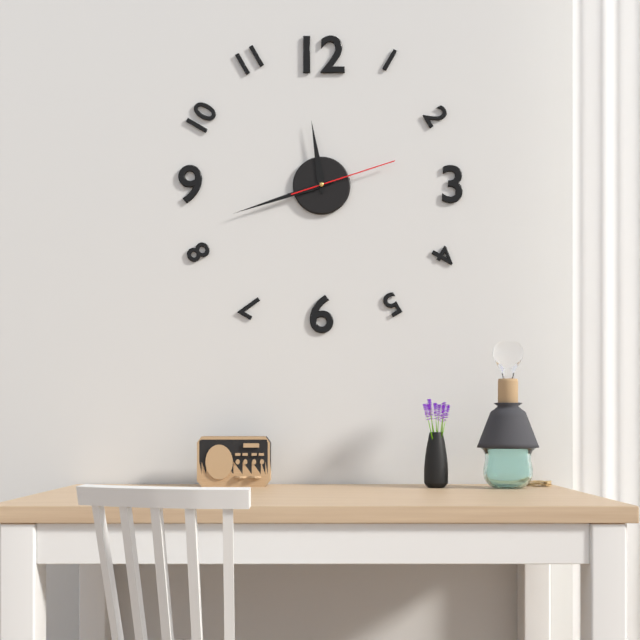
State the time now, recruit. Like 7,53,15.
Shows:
11,42,12
